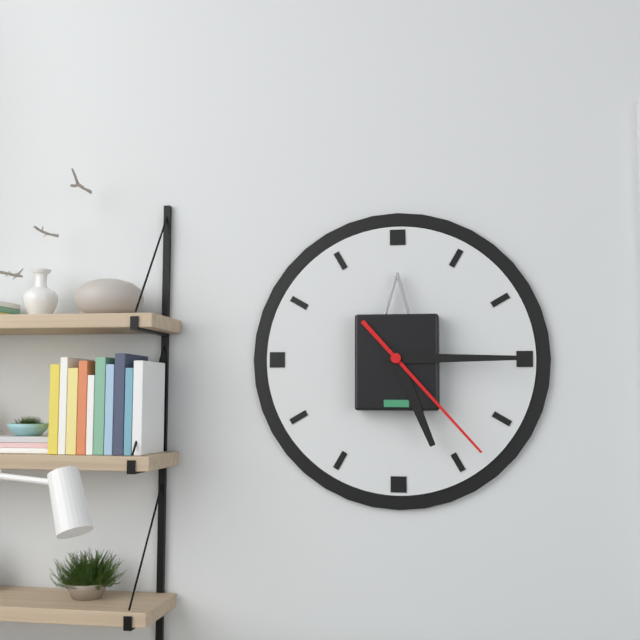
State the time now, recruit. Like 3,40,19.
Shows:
5,15,23
